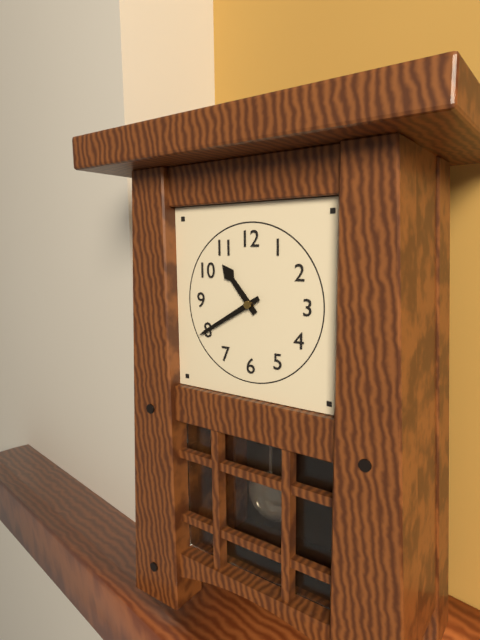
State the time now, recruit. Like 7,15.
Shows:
10,40
